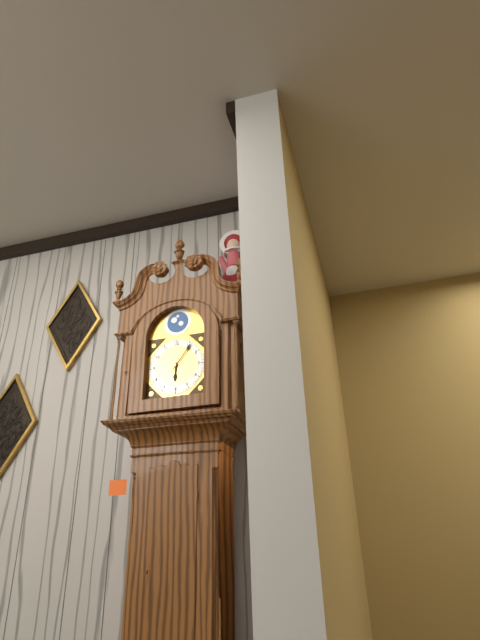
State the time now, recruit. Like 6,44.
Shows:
6,06
